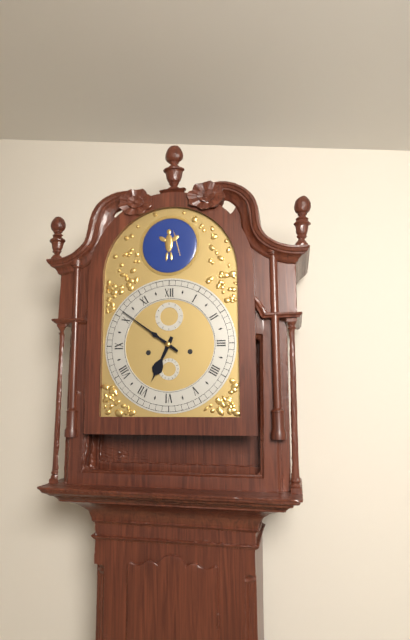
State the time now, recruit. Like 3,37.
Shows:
6,51
